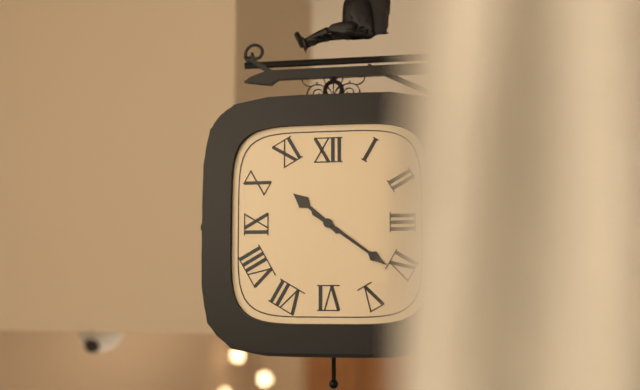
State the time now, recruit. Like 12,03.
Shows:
10,21
